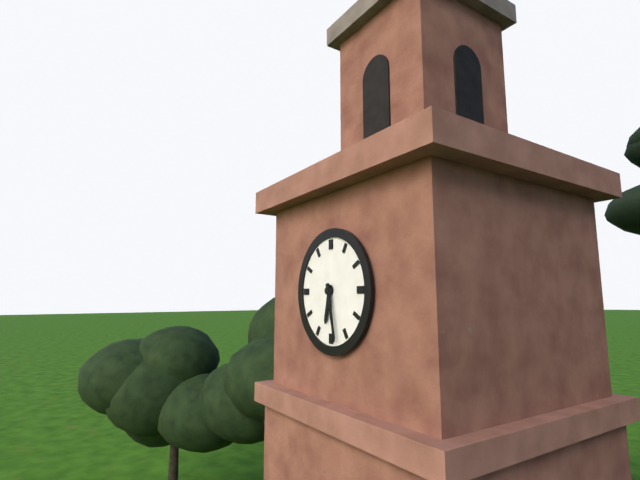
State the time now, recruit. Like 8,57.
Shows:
6,28
